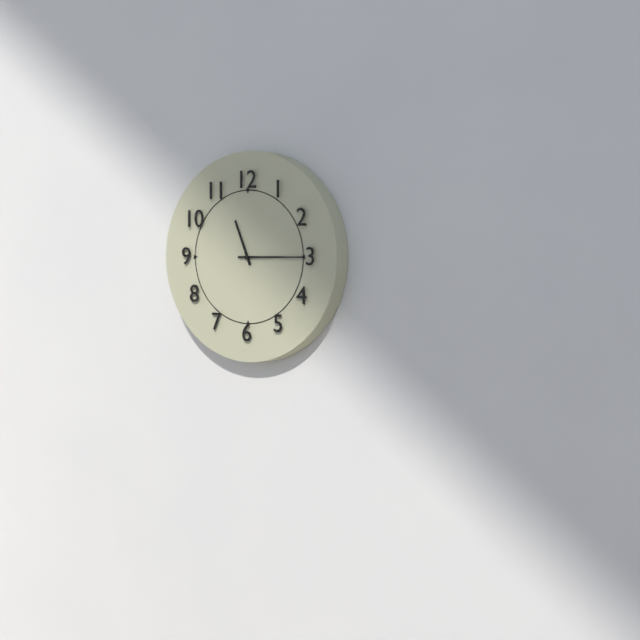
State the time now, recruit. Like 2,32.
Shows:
11,15
